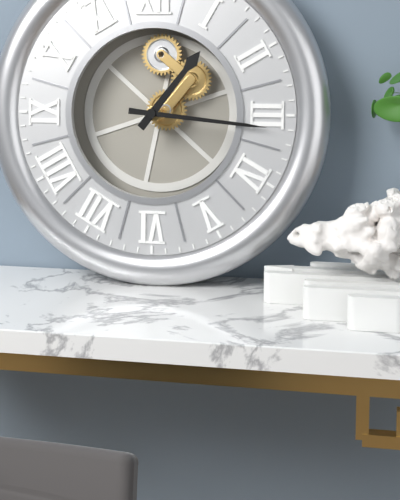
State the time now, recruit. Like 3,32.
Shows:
1,16
